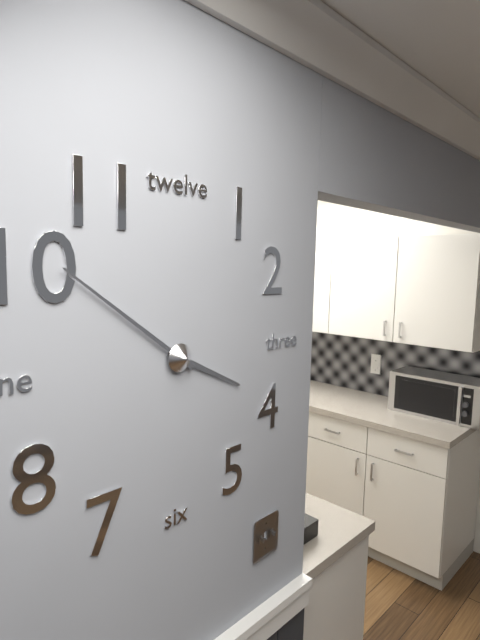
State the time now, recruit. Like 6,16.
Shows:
3,51
